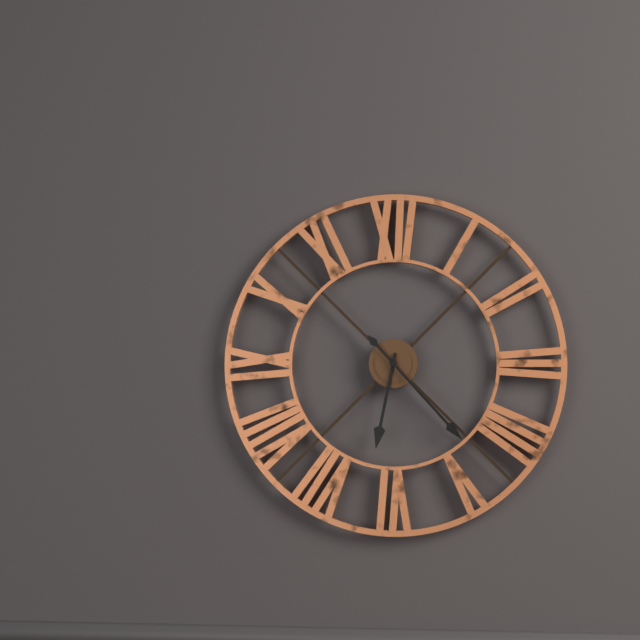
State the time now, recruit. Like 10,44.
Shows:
6,23
